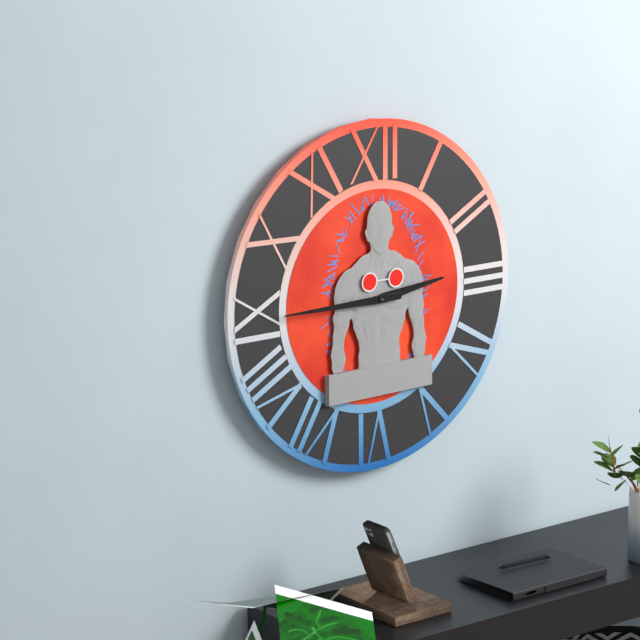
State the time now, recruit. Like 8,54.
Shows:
2,45
